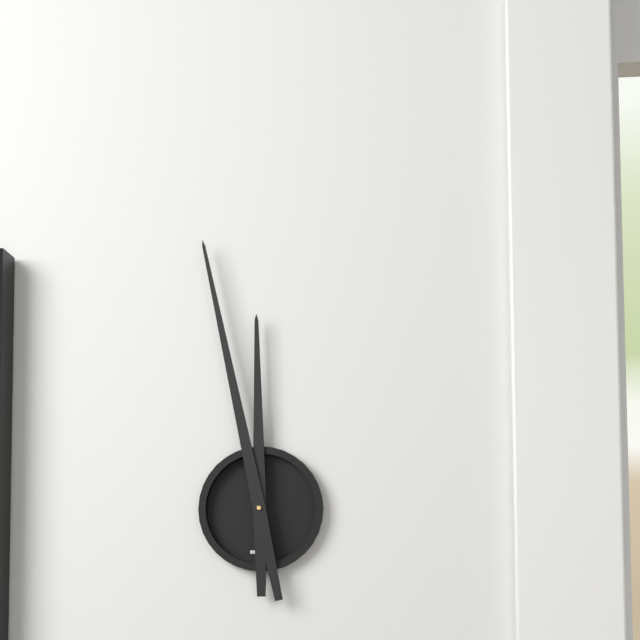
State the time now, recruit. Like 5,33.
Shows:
11,58
